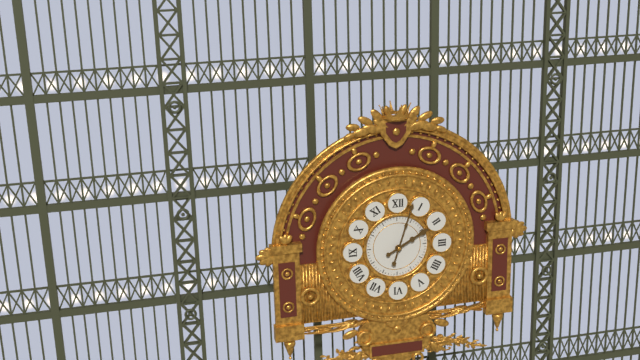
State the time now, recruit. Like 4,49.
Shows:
2,03
